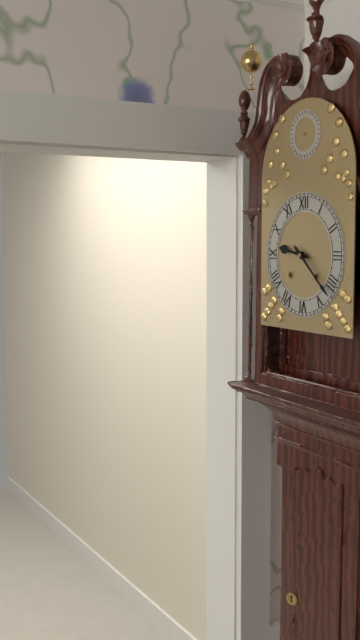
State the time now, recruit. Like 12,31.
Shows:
9,22
